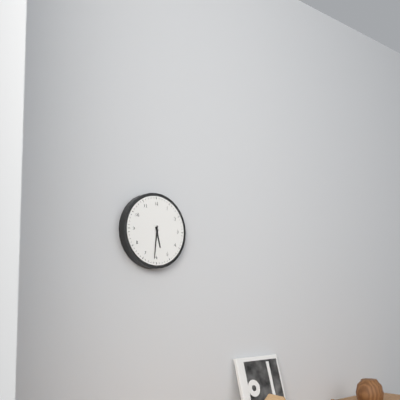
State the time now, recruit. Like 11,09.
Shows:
5,31
